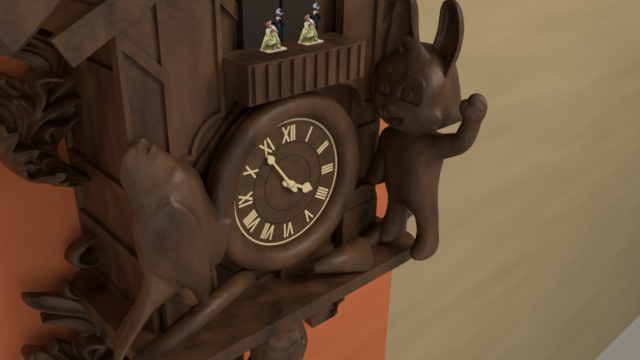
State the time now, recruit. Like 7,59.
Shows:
3,54
